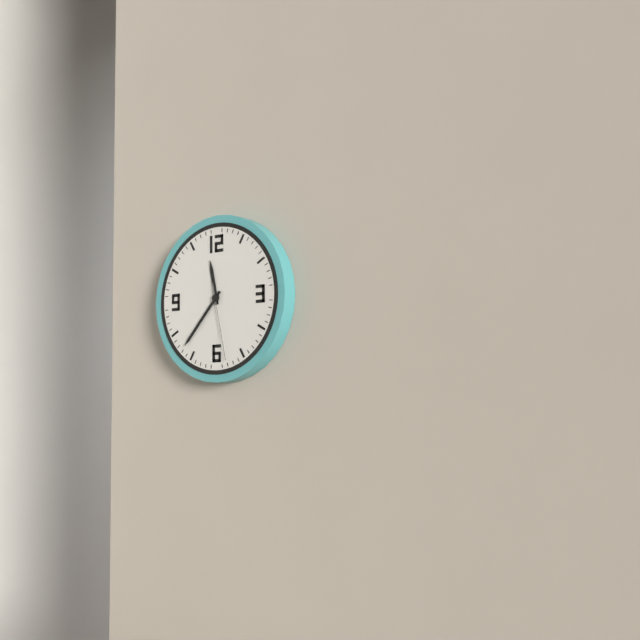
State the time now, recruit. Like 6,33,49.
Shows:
11,37,28
